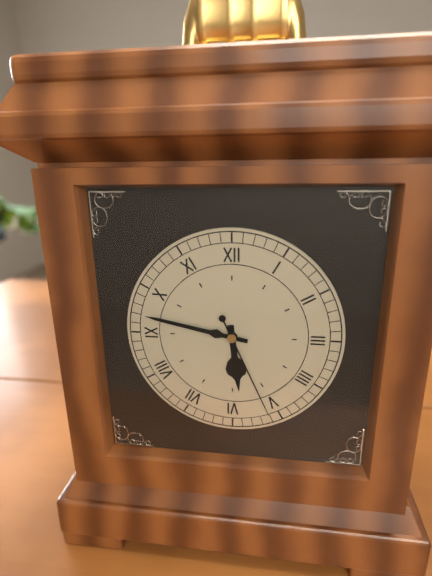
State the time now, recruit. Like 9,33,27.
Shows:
5,47,26
